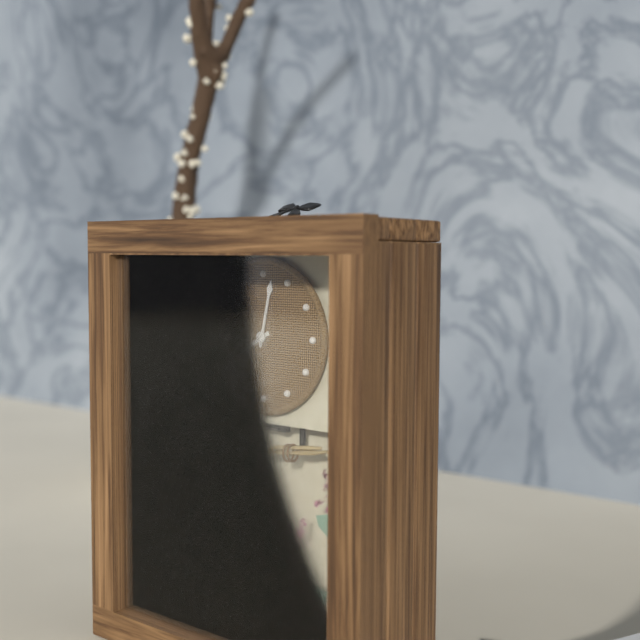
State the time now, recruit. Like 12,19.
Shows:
8,02
